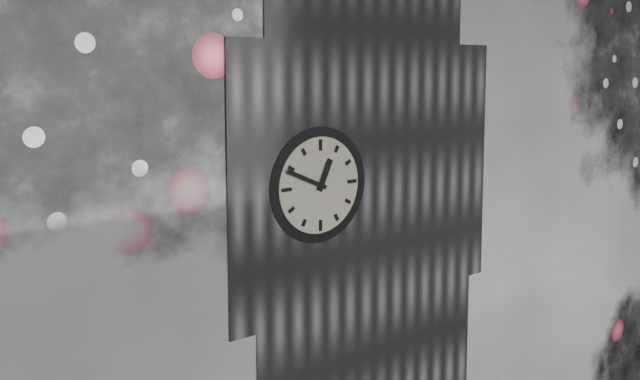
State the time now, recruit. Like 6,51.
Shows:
12,49
